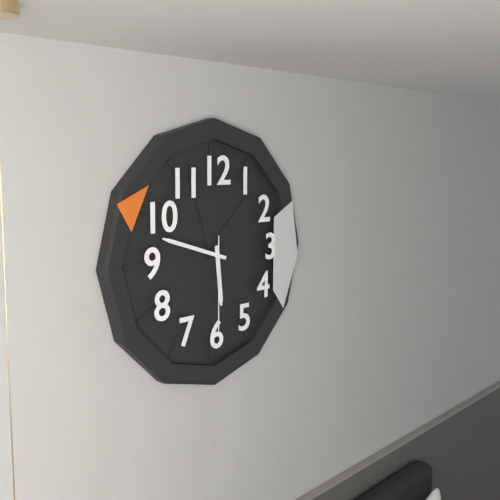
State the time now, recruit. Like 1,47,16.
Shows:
5,48,30
